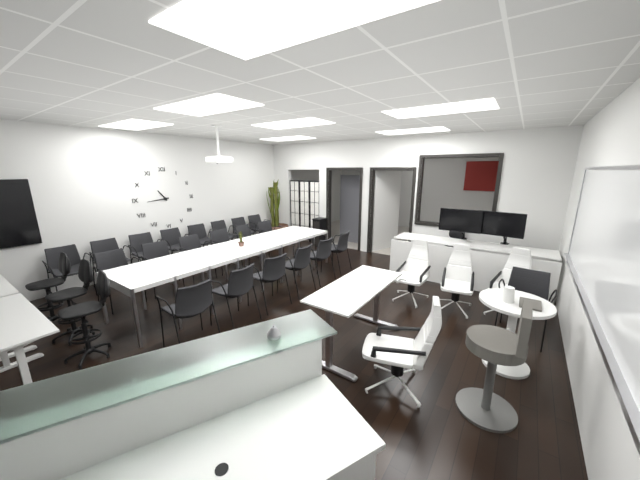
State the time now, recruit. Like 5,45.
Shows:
10,44
